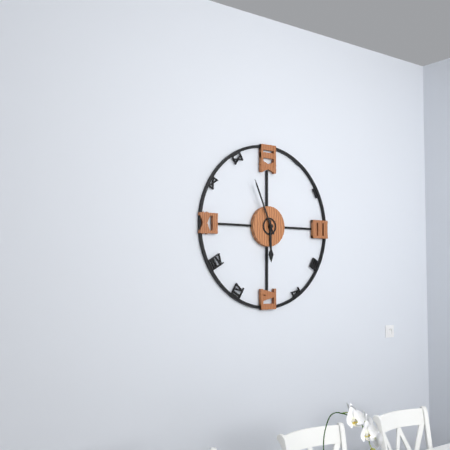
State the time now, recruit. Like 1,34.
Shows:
5,56
